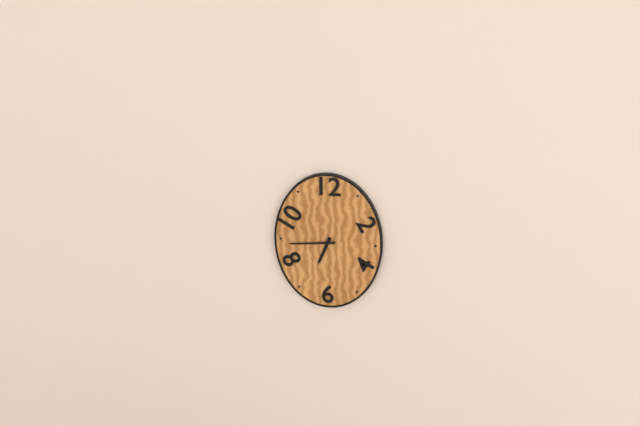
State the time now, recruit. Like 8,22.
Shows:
6,44
